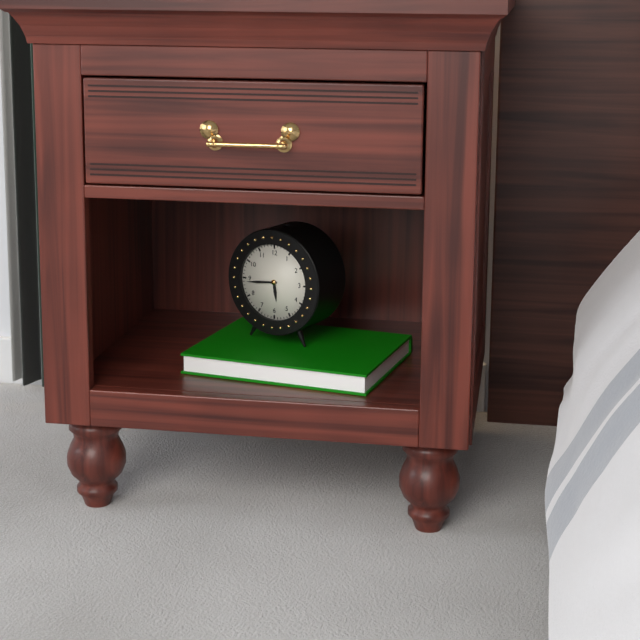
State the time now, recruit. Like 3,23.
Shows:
5,44
